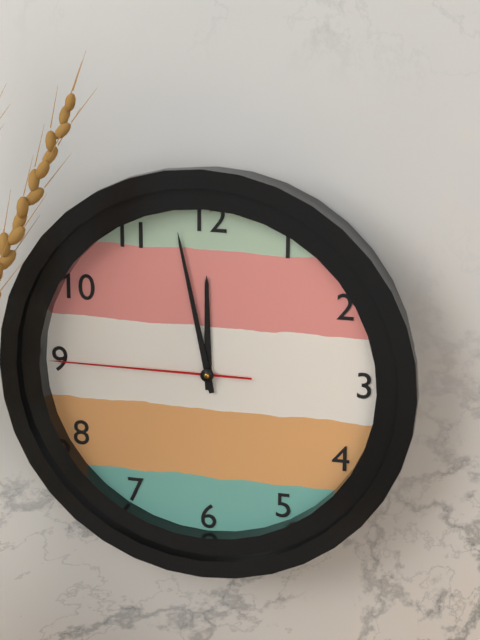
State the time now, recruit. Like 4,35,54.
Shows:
11,58,45
